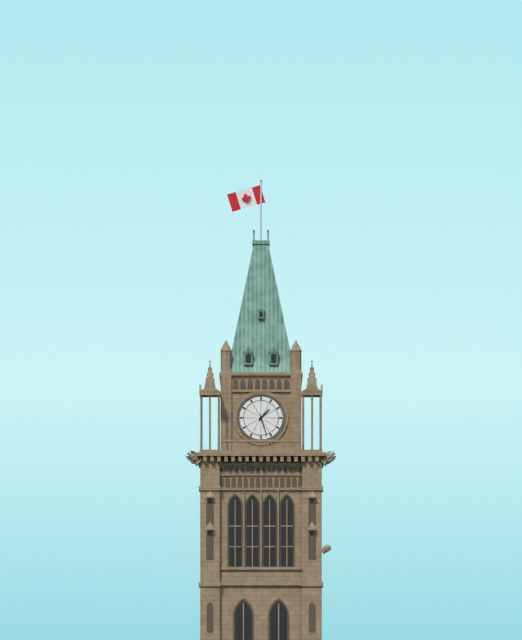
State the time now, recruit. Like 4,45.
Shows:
1,27
